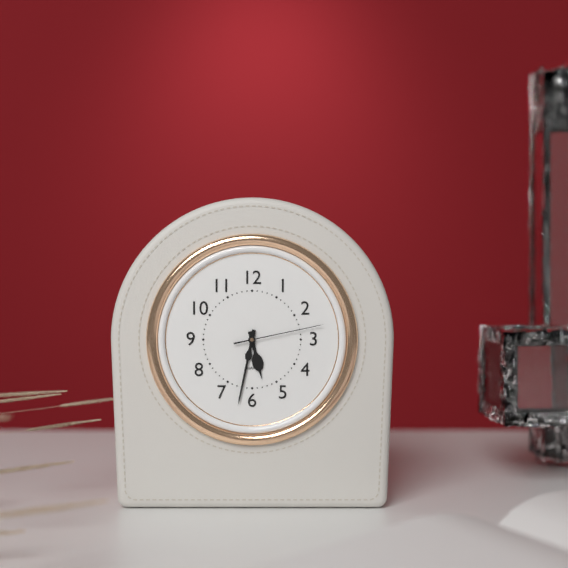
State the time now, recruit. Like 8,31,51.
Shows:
5,32,13
